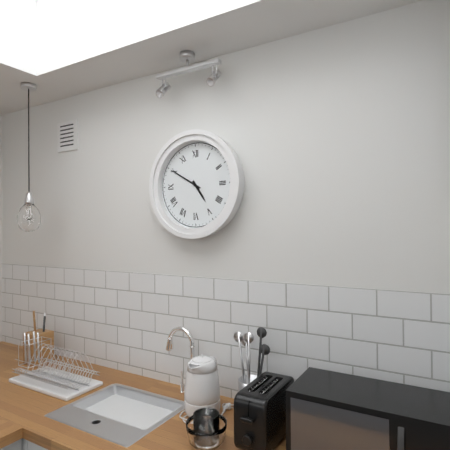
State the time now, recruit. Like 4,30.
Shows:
4,50
